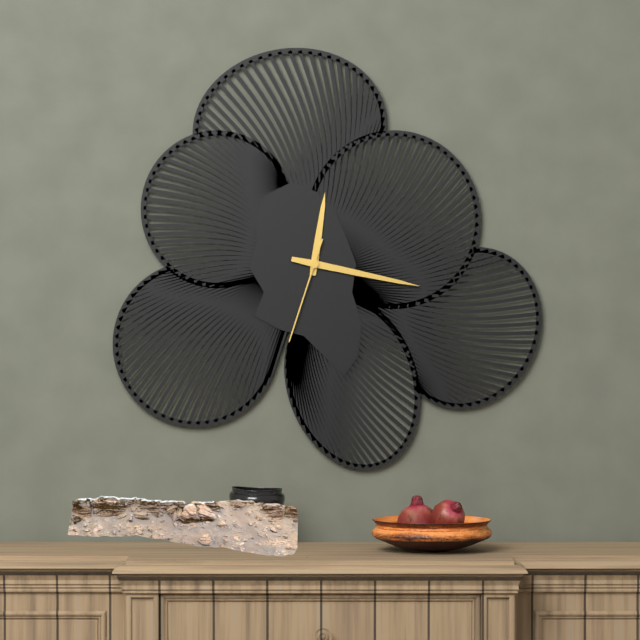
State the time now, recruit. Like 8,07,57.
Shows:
12,17,33
